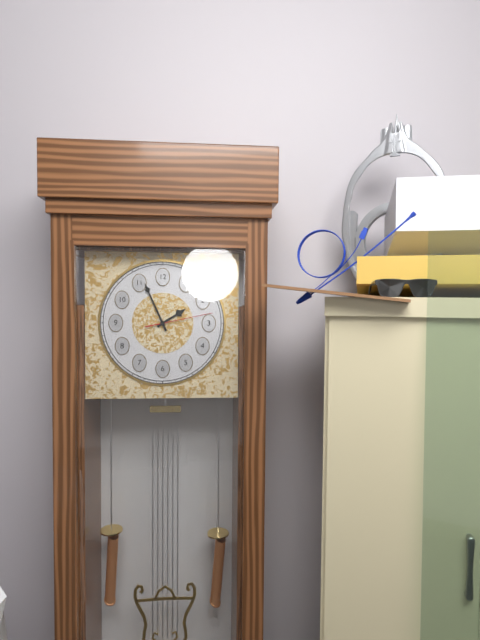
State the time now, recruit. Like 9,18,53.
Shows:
1,56,13
